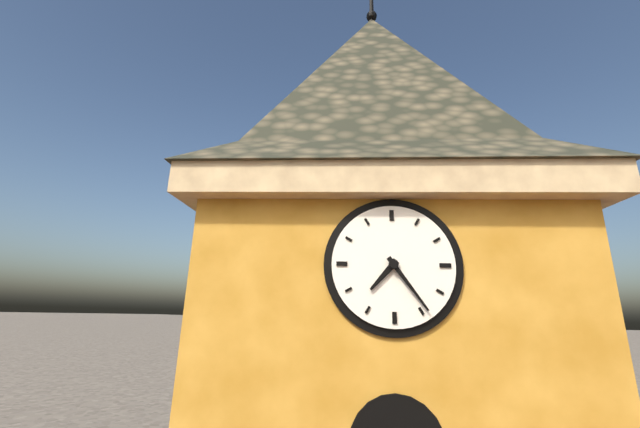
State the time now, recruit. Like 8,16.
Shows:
7,24
